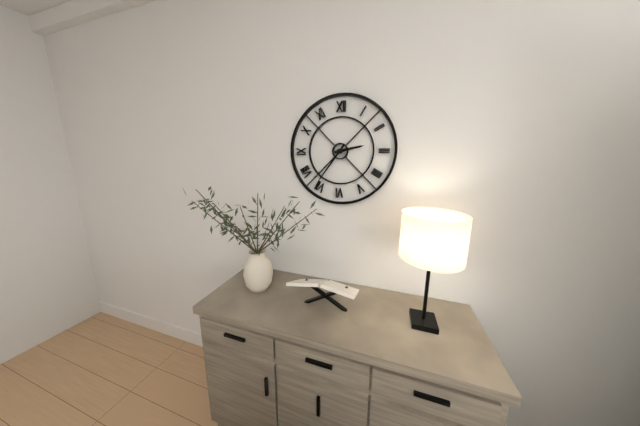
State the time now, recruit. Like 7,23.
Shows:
2,36
